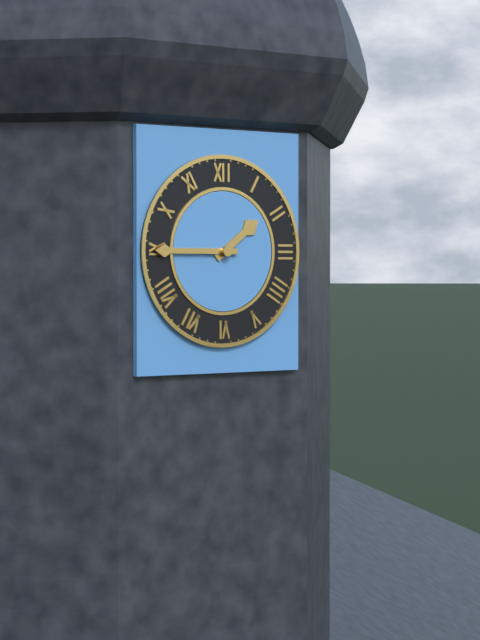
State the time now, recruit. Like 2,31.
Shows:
1,45
